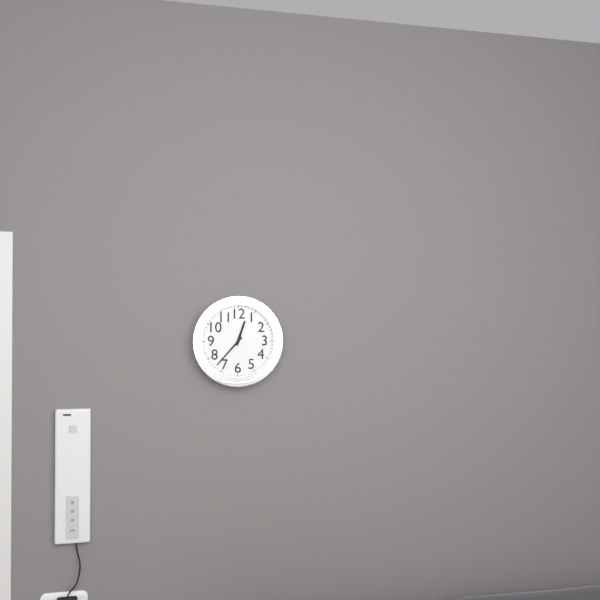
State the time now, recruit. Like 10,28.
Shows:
12,37
